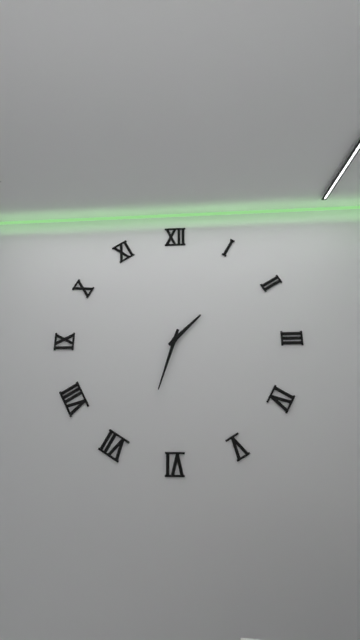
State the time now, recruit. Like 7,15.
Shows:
1,33
